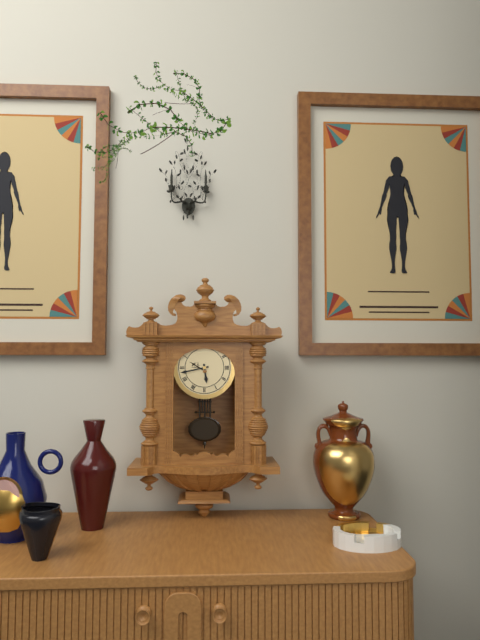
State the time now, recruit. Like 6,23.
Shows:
5,43
